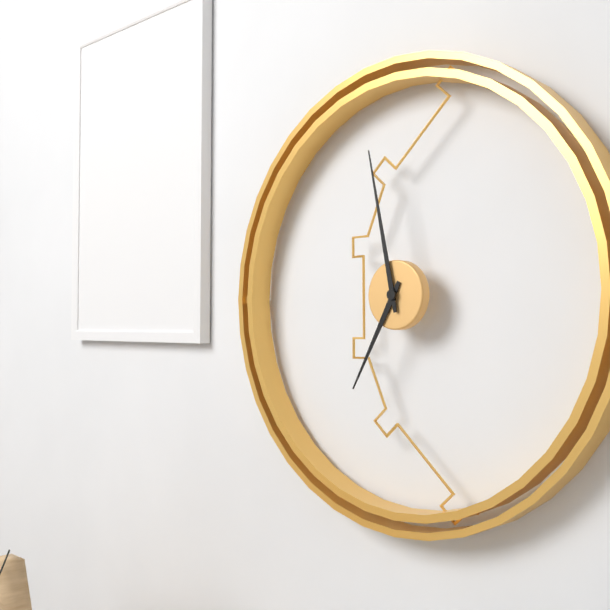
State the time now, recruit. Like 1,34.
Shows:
6,58
